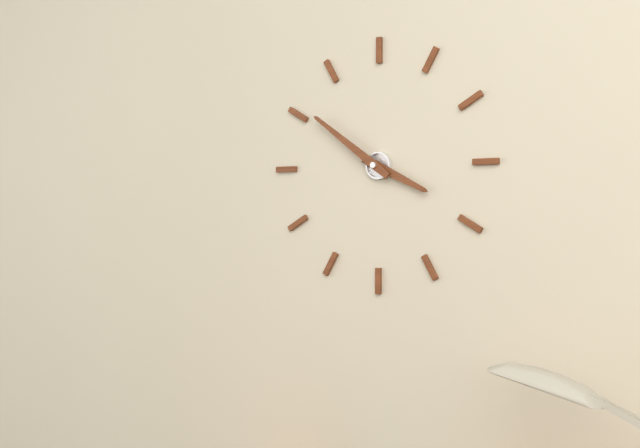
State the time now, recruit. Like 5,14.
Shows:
3,51
